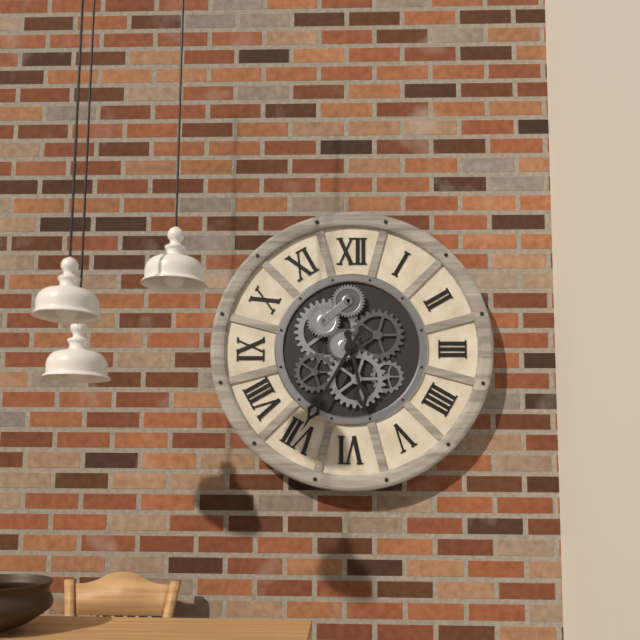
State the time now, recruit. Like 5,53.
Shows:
5,35
